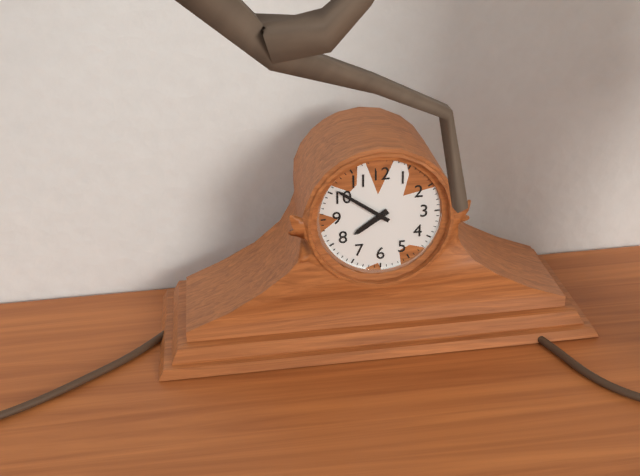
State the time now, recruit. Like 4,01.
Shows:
7,51
